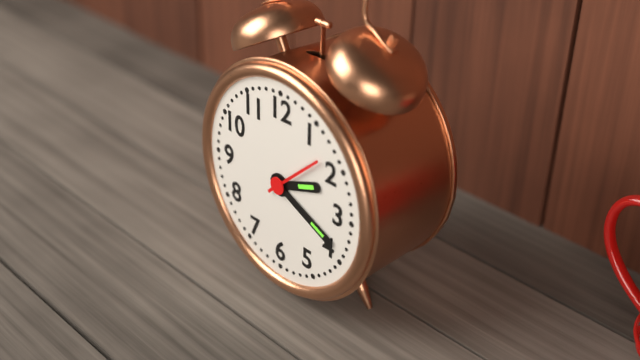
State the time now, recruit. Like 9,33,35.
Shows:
2,19,08
